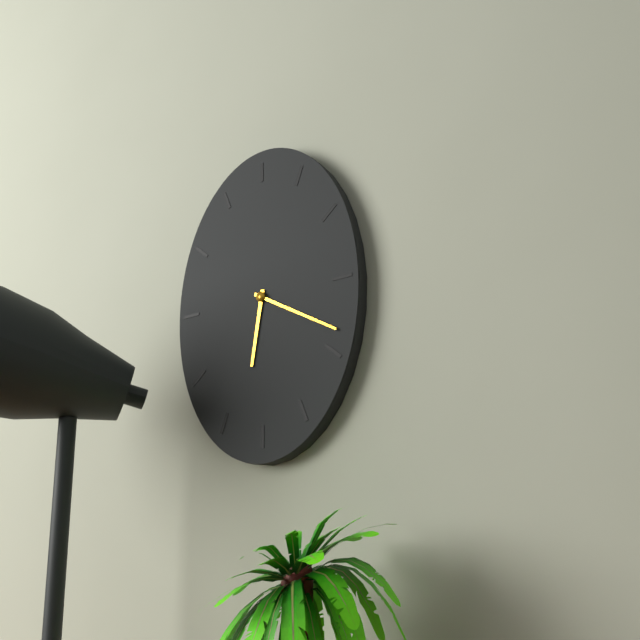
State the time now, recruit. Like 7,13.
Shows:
6,20
